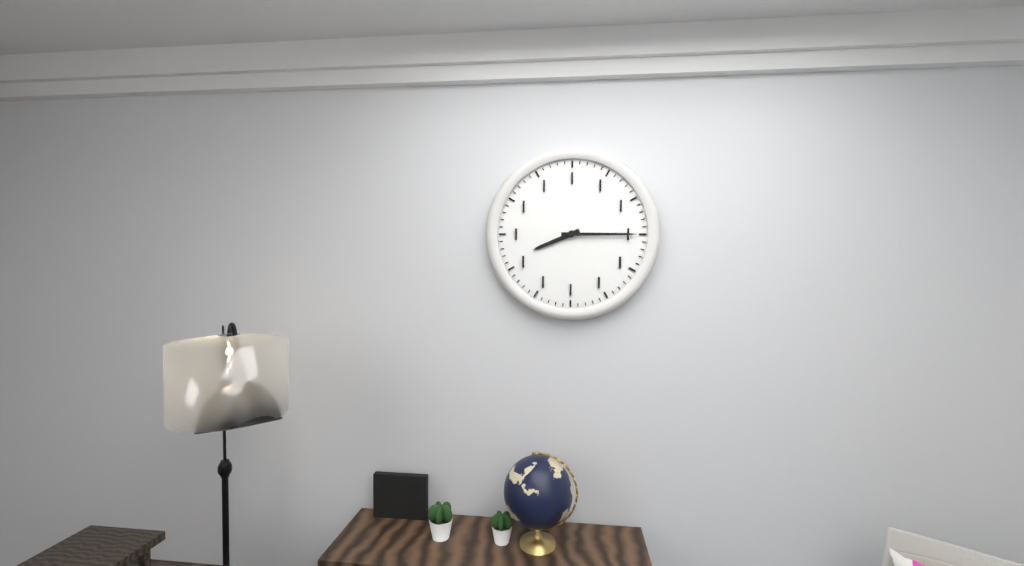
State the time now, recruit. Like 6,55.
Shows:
8,15
